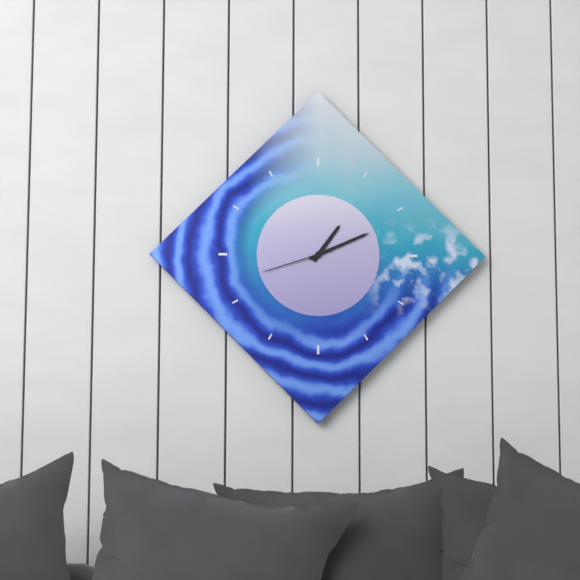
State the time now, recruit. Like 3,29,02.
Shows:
1,11,42
